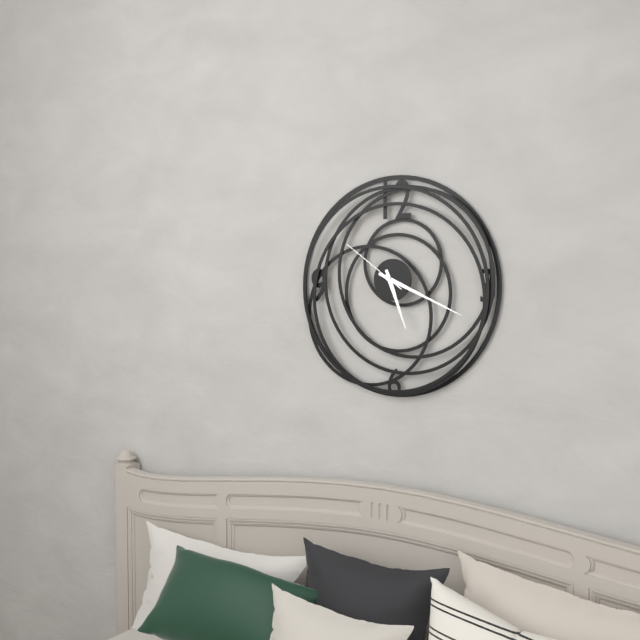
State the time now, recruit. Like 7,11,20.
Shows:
5,19,51
